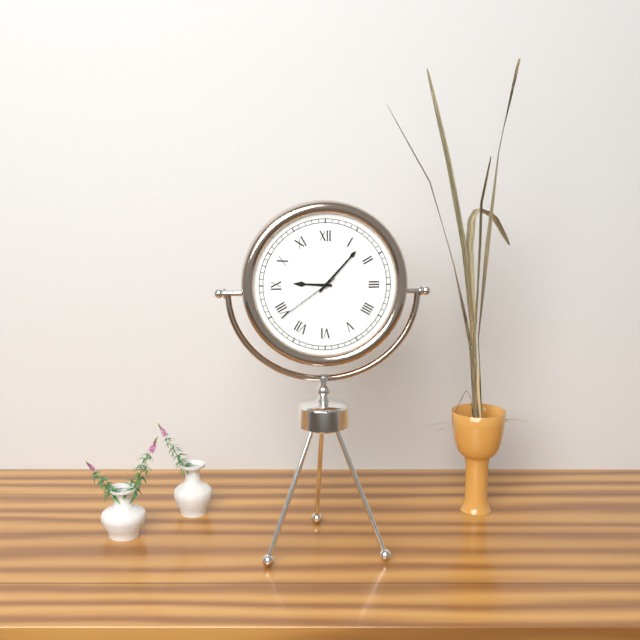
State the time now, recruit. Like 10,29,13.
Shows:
9,07,39
